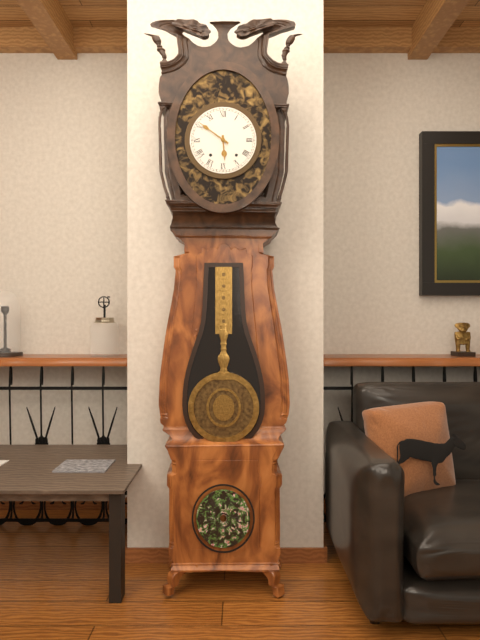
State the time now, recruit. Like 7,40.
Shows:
5,51
